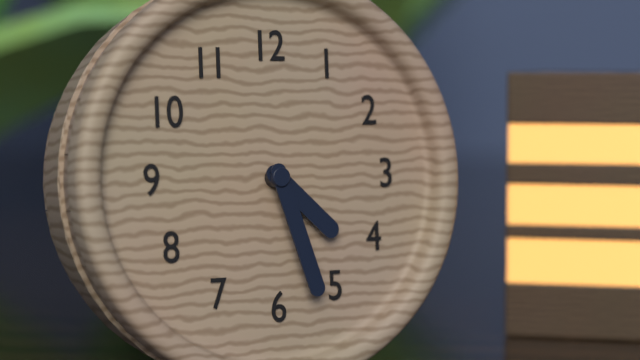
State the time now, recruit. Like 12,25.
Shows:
4,27
